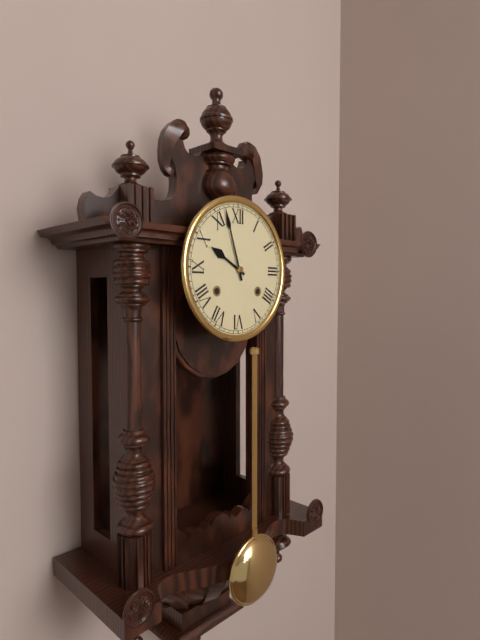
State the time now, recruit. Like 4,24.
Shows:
9,57
